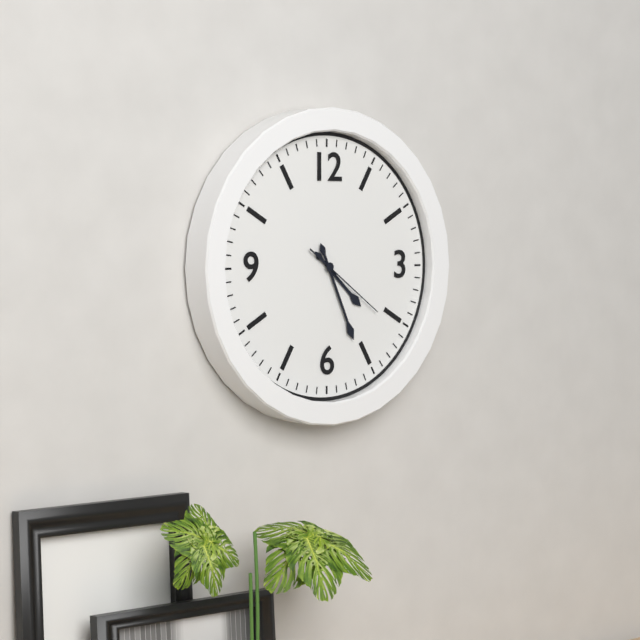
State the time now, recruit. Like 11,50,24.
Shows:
4,26,21
